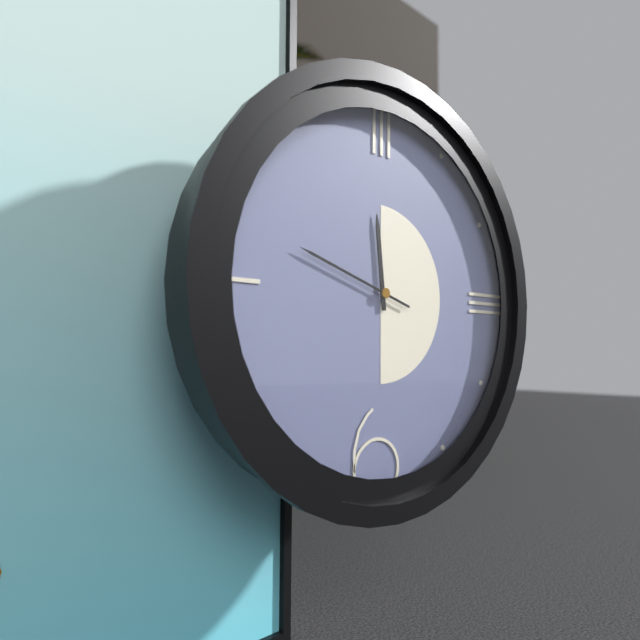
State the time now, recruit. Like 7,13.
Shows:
11,48
